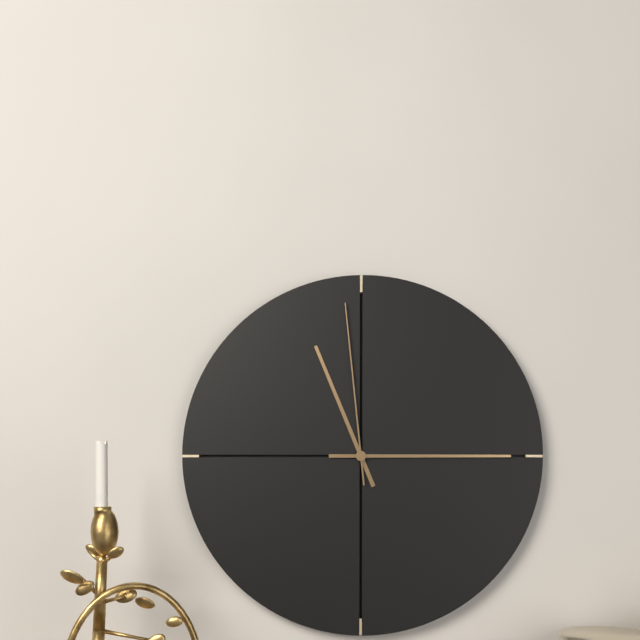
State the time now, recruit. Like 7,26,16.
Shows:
11,15,59
